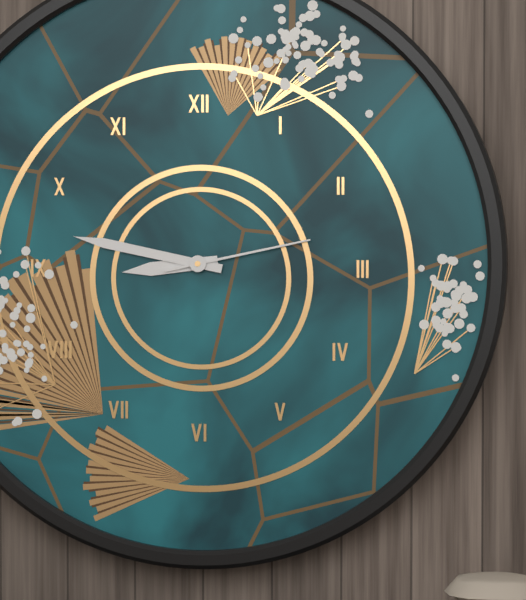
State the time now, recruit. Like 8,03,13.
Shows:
8,47,13
